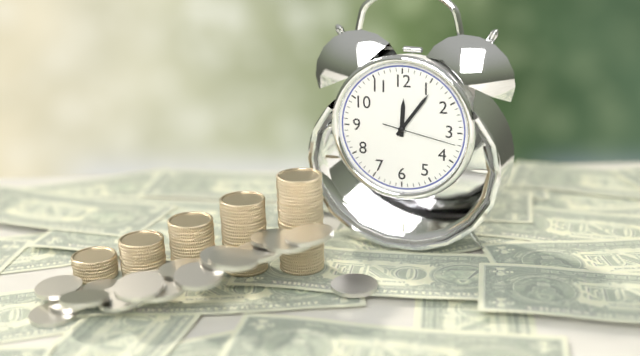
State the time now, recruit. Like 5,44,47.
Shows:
12,06,17
